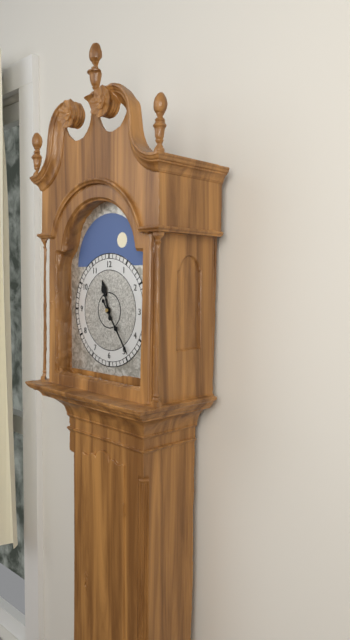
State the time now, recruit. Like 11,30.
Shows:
11,24
